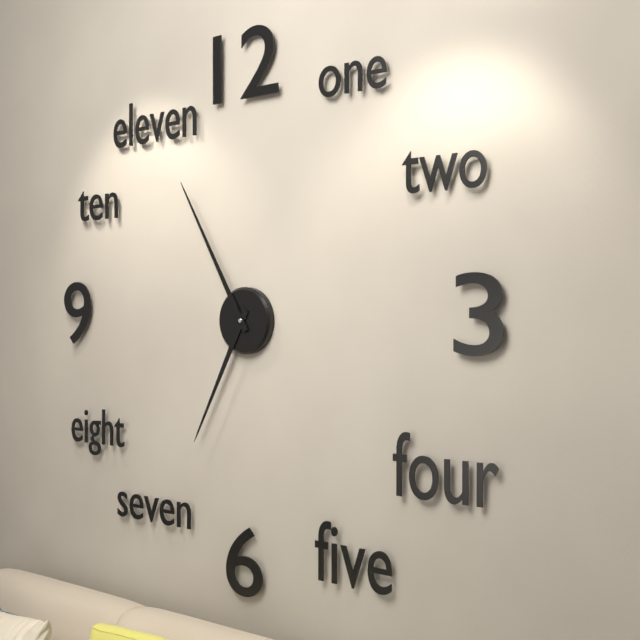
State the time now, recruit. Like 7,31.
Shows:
6,55
